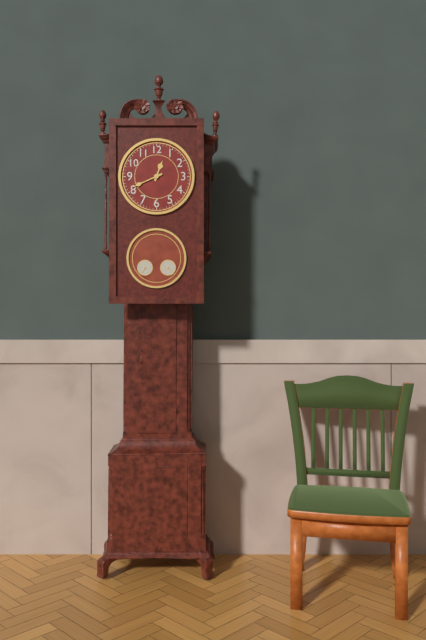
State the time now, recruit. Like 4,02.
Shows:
12,41
